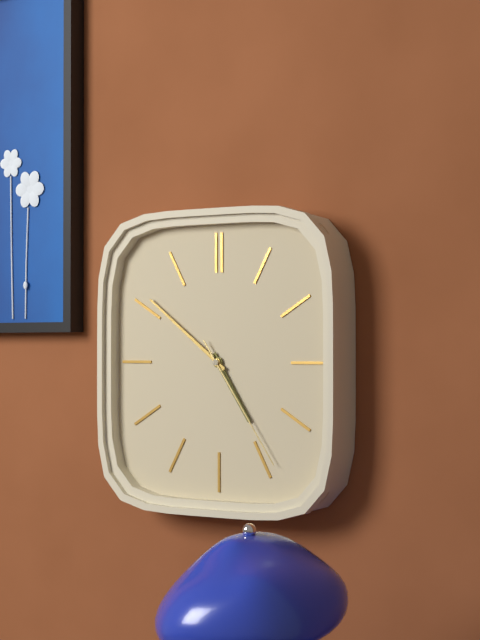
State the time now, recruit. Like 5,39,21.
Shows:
4,51,24
